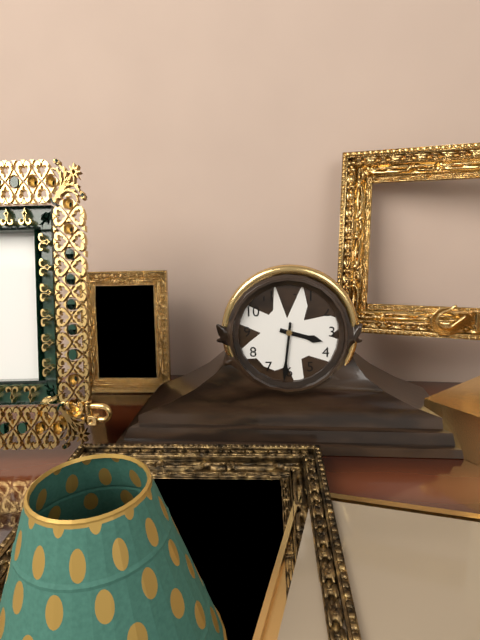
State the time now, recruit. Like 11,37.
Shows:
3,31
